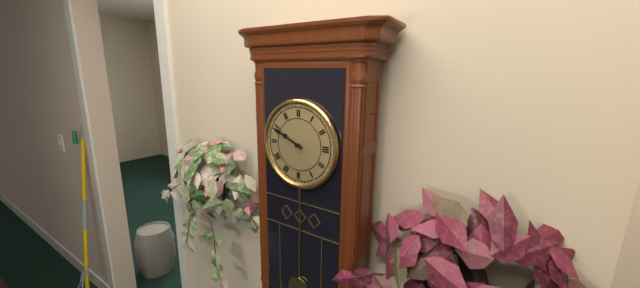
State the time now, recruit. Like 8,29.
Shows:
9,49
